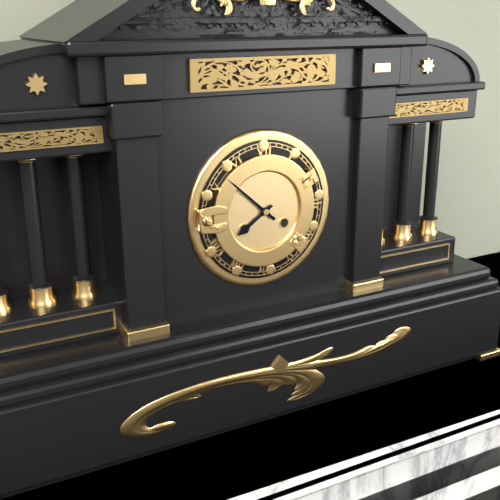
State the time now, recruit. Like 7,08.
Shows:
7,52
